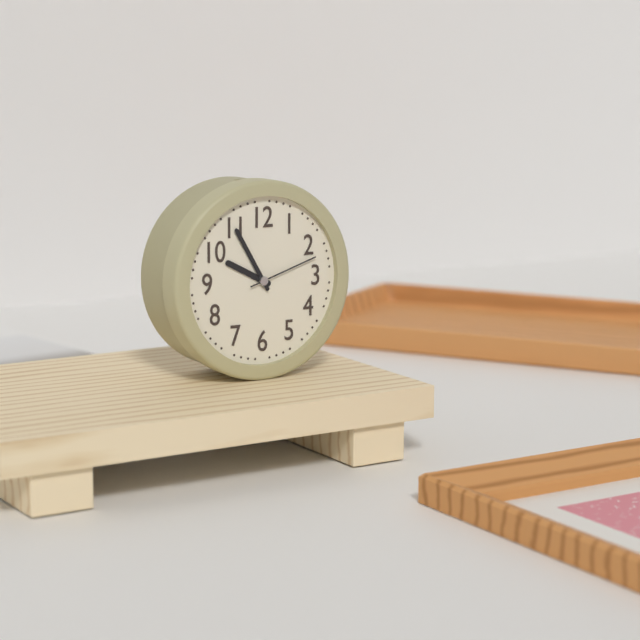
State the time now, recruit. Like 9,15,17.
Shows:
9,55,12
